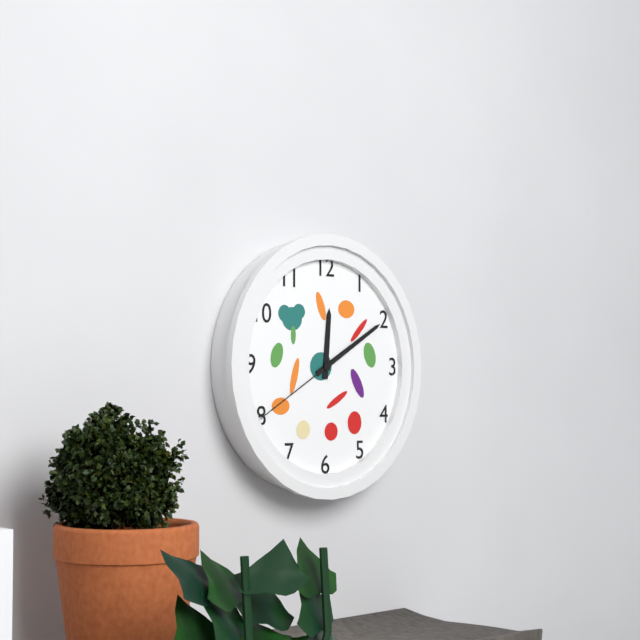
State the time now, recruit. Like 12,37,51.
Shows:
12,10,40
